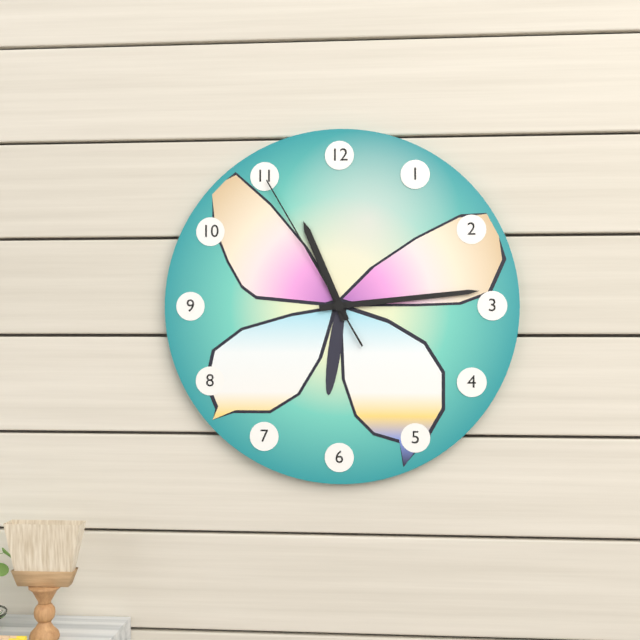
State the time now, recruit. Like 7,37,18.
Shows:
11,14,55
